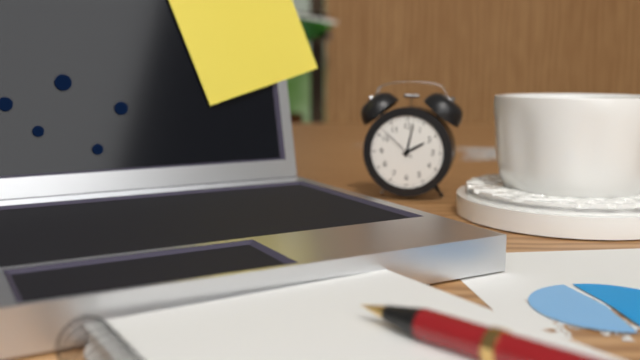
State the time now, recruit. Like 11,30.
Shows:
2,02
